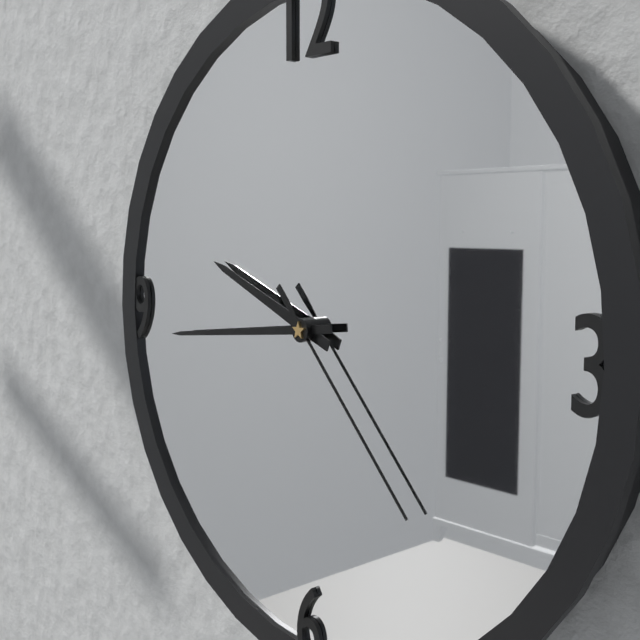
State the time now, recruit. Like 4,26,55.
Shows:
9,44,23
